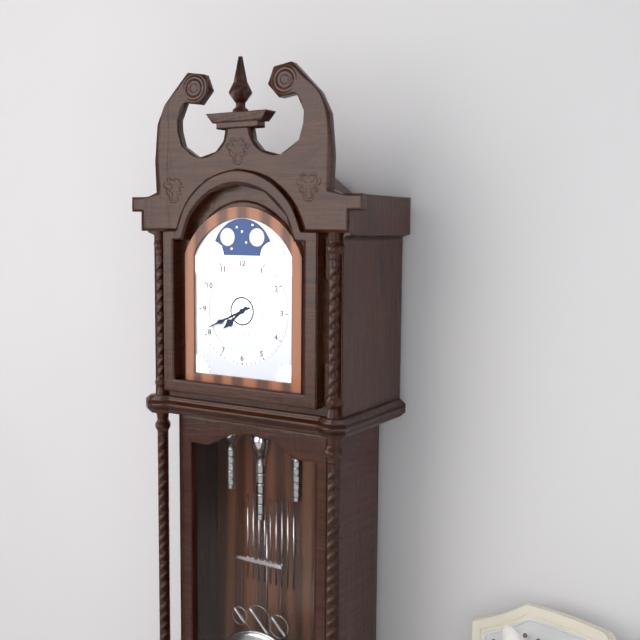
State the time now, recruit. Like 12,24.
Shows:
7,41
